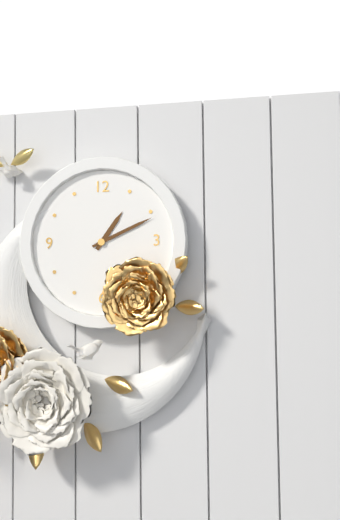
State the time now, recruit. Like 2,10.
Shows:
1,11
